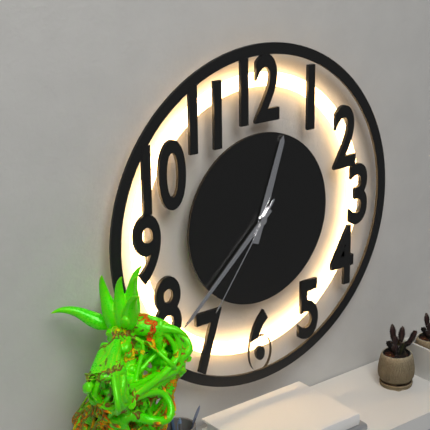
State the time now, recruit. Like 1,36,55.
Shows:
12,38,36
